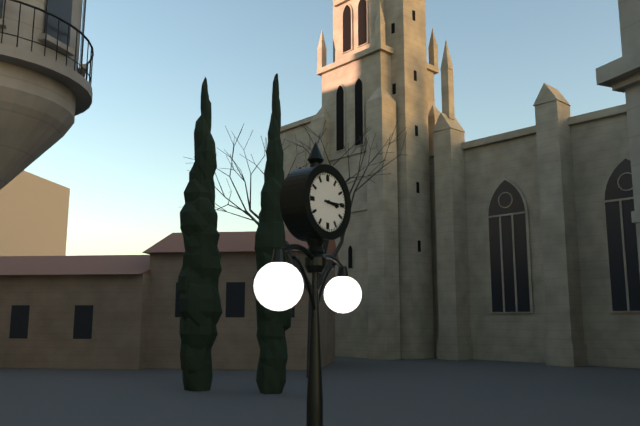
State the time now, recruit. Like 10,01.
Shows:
3,15
